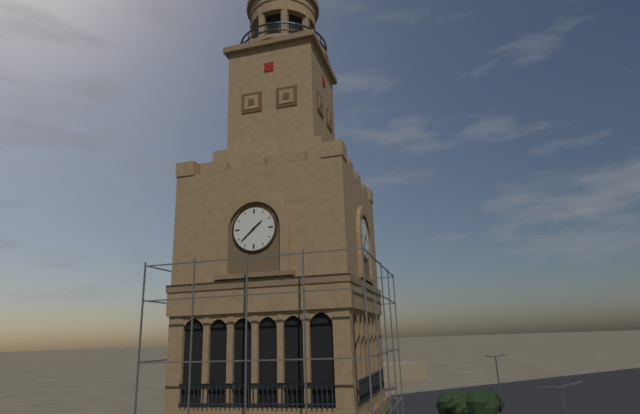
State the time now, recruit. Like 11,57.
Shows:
1,38
